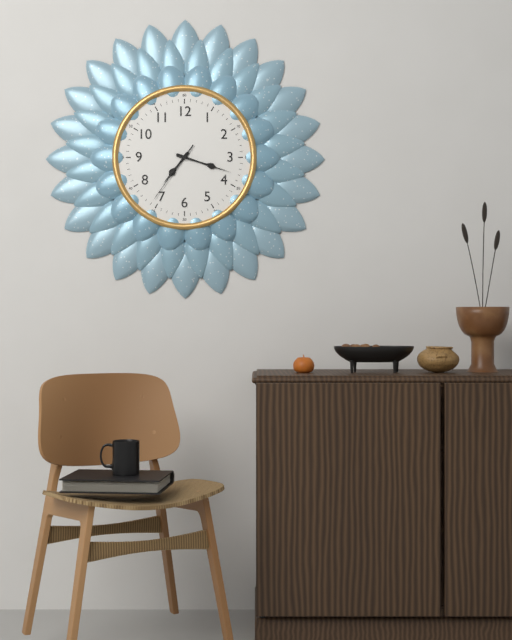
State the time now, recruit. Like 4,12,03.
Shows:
7,18,36
